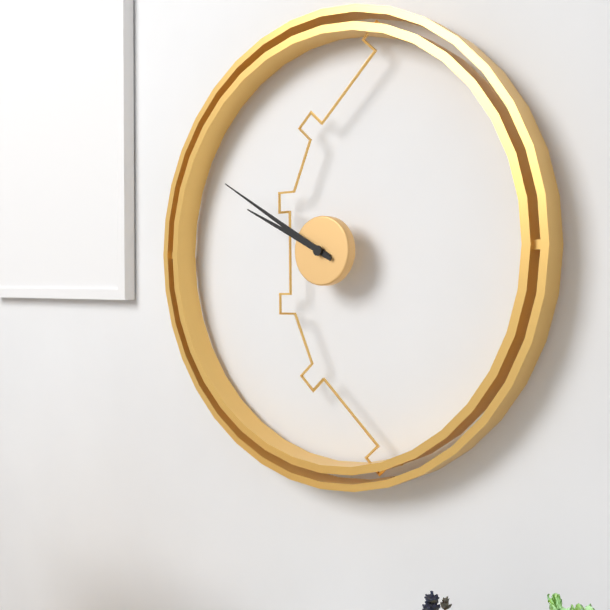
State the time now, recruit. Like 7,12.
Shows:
9,50
